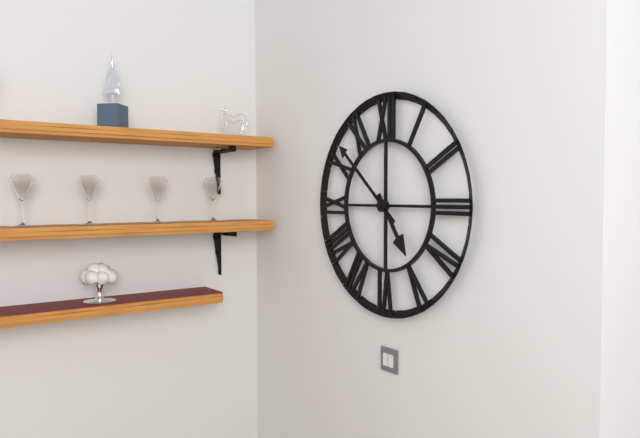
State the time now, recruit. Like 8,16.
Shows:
4,52
